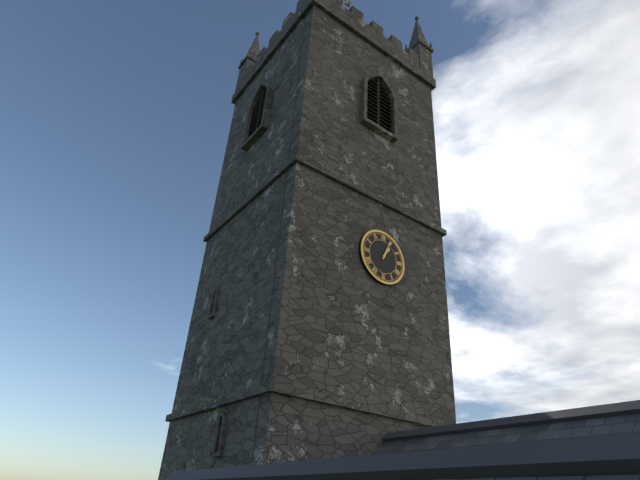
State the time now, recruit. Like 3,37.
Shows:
1,04
